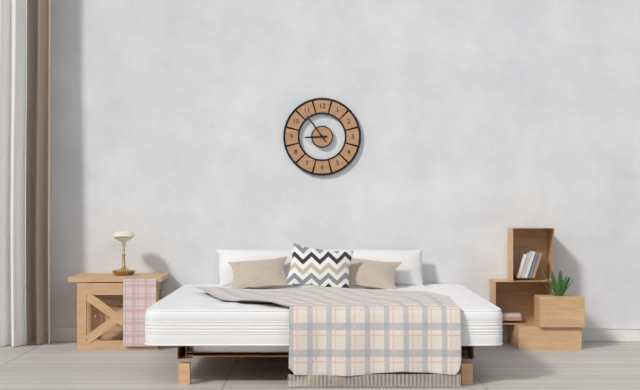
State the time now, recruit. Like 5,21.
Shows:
8,54
